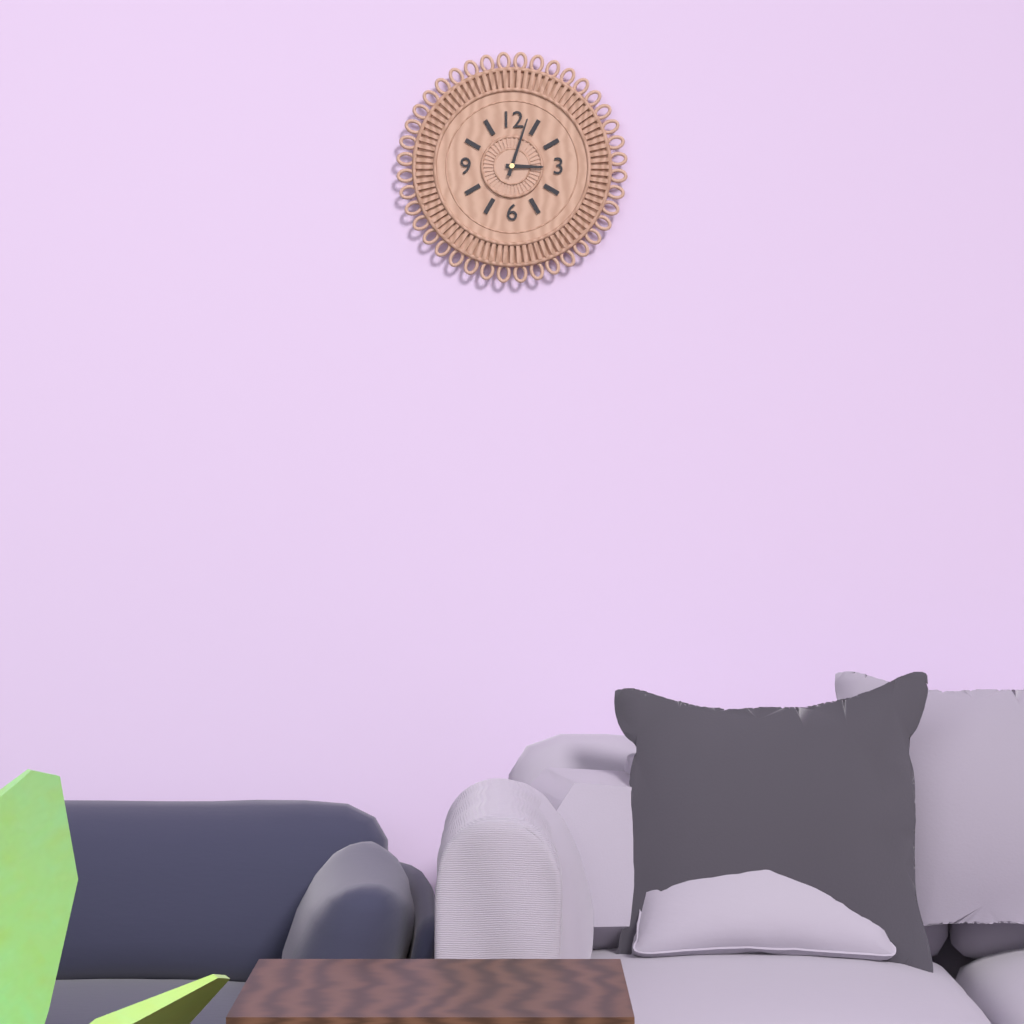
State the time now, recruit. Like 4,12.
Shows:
3,03
